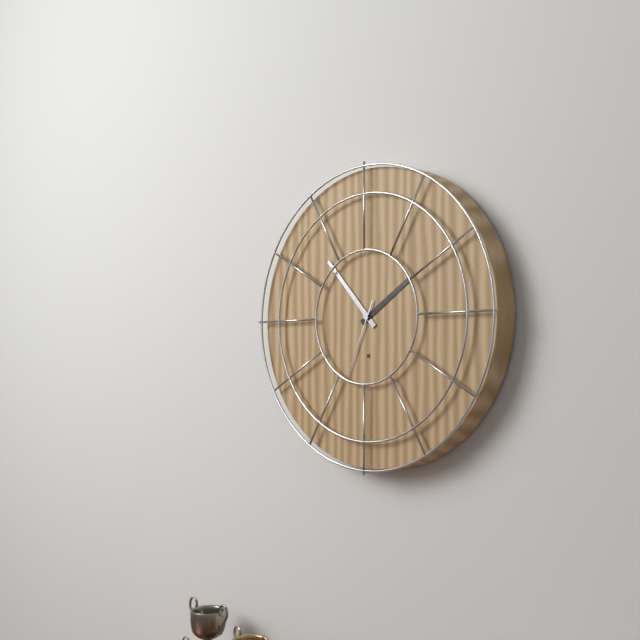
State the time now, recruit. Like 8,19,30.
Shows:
1,53,34
